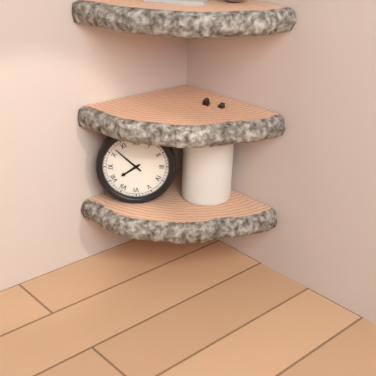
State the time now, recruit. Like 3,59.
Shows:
7,52
